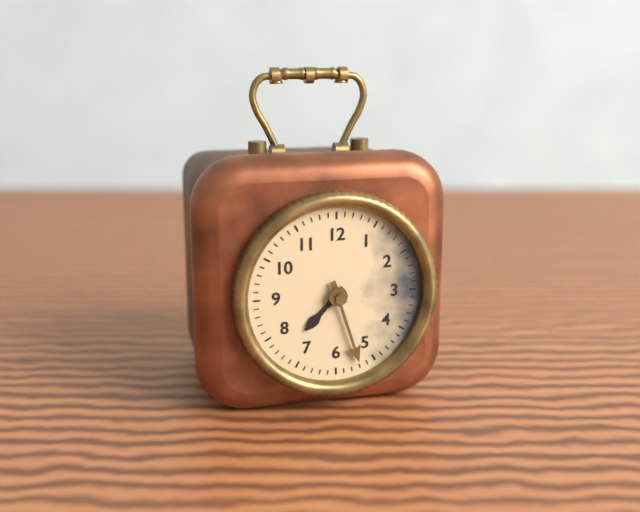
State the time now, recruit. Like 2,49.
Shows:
7,27
